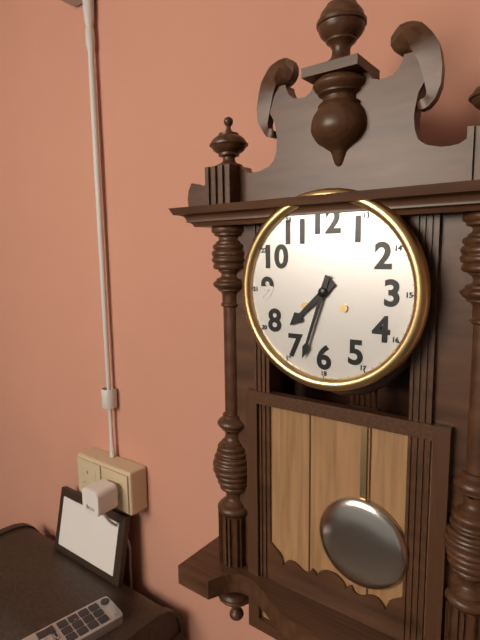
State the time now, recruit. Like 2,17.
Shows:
7,33
